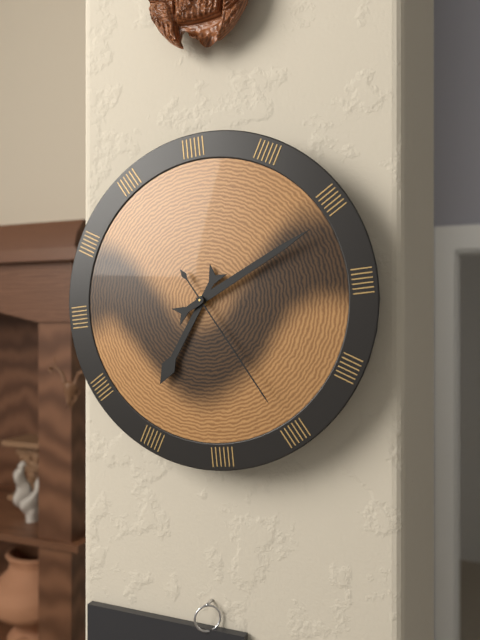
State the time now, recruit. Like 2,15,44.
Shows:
7,11,25
